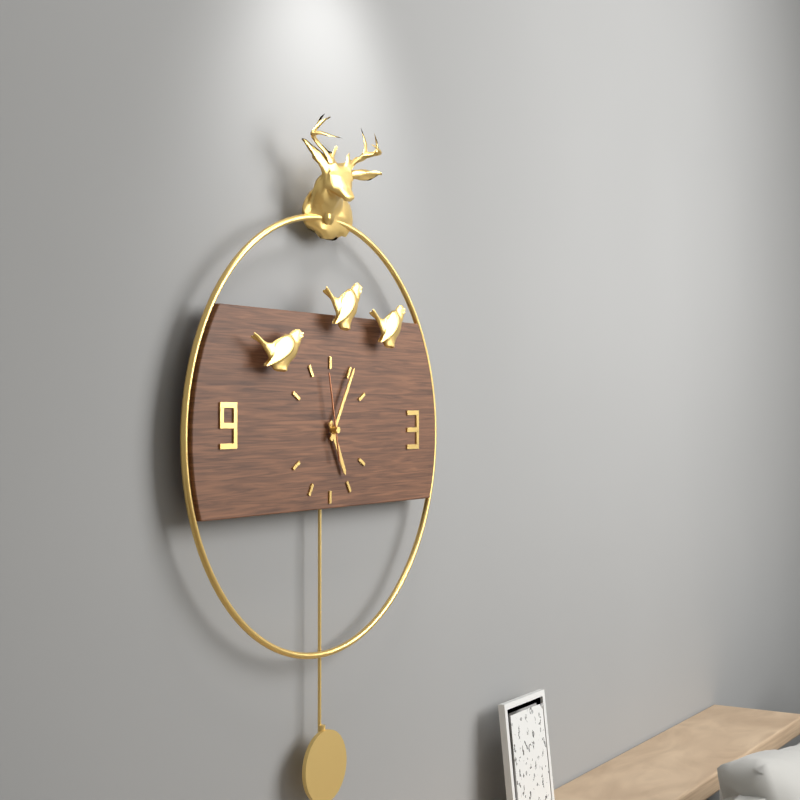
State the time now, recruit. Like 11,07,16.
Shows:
5,05,58
